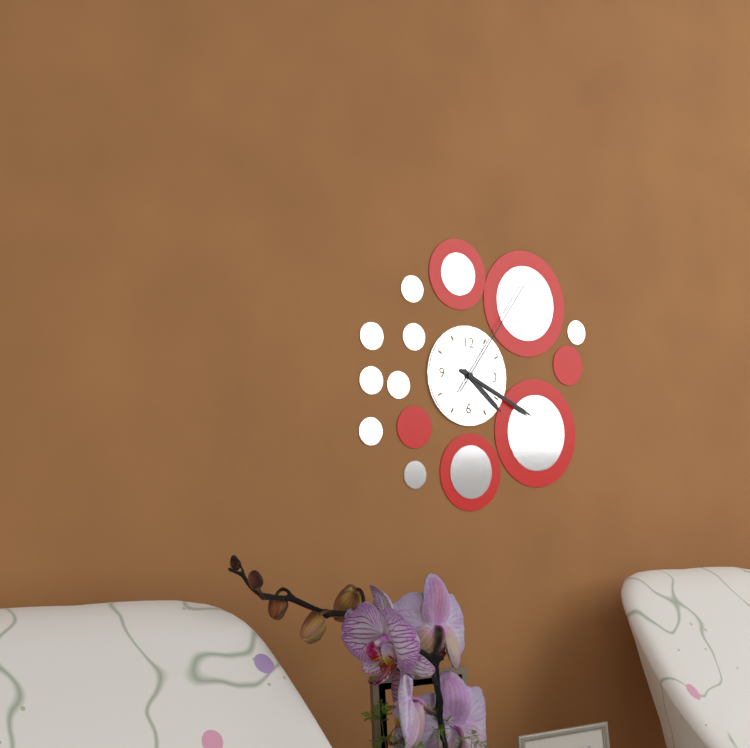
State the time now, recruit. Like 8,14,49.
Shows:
4,19,06
